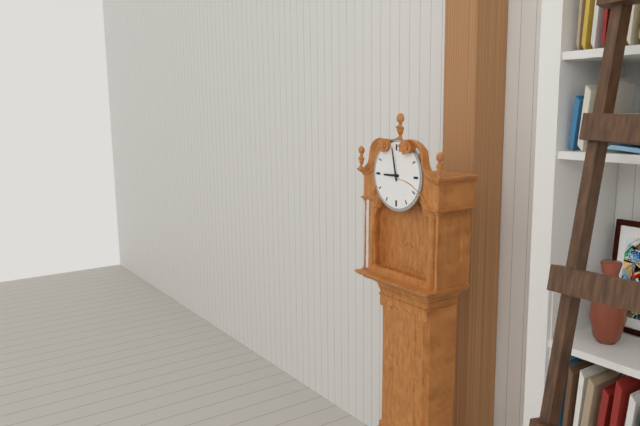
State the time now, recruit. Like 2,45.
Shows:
8,58
